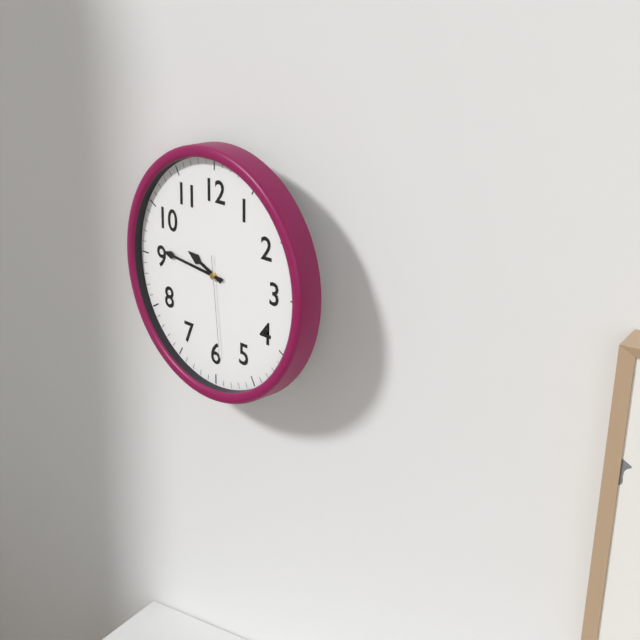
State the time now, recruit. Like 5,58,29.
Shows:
9,46,29
